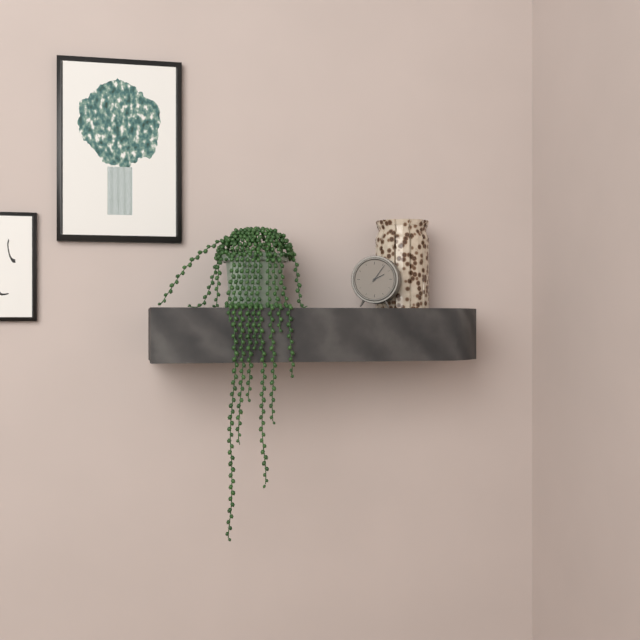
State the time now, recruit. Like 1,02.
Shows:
2,06
